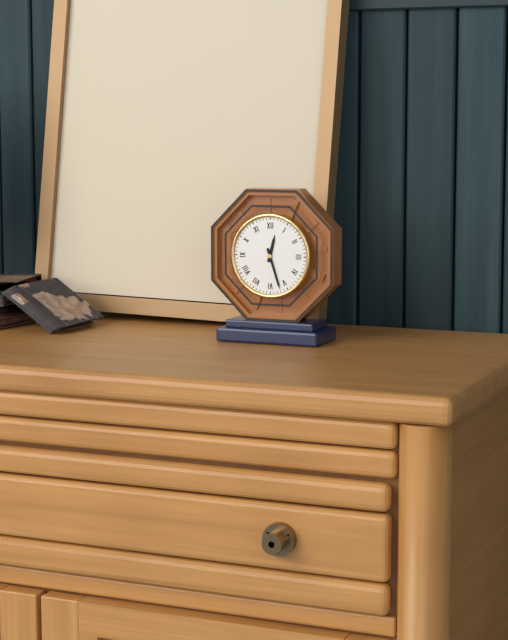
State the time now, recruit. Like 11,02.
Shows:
12,27
